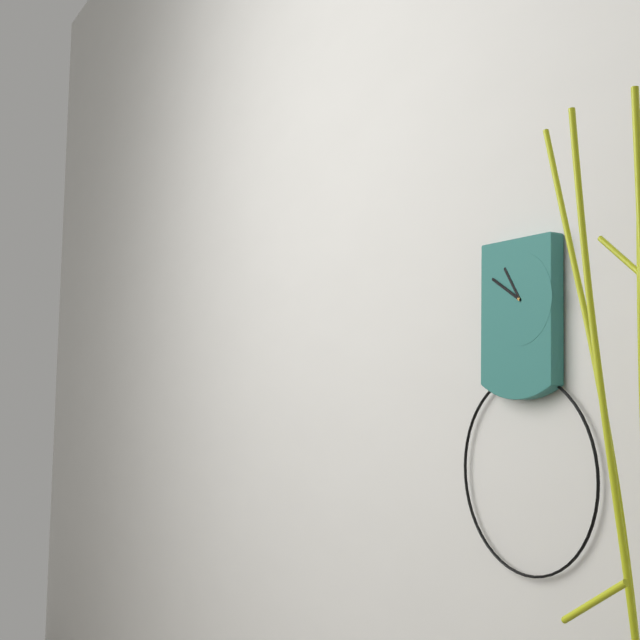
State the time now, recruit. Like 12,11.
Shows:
10,50
